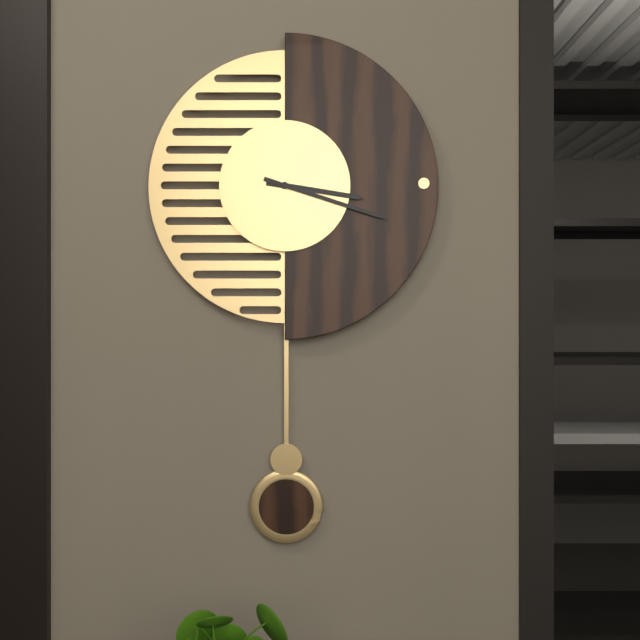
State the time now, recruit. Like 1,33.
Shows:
3,18
